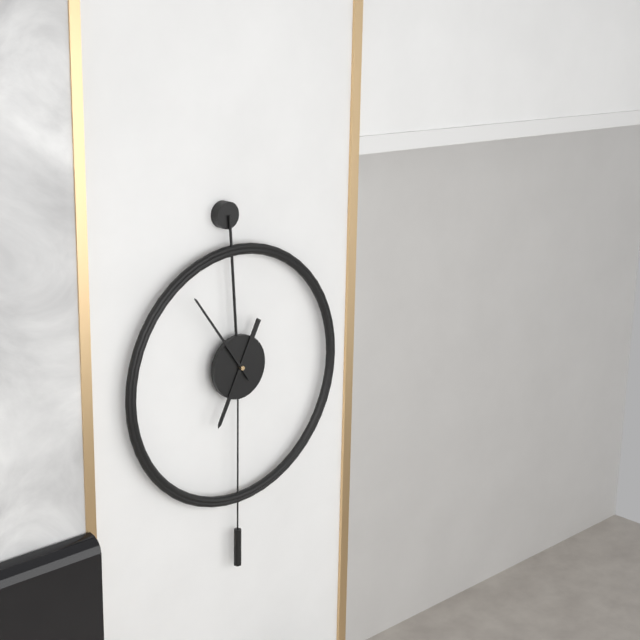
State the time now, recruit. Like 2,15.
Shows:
6,54
